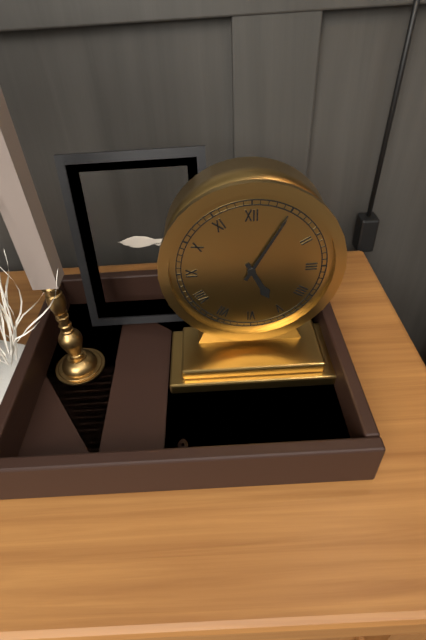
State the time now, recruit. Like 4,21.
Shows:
5,05
